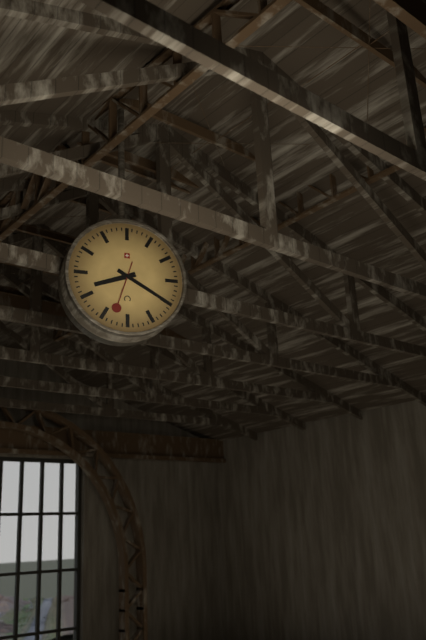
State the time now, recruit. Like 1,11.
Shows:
8,20
